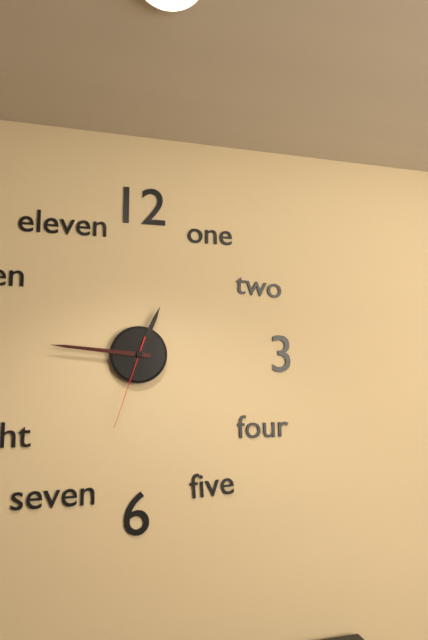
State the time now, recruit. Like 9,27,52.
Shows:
12,46,33
